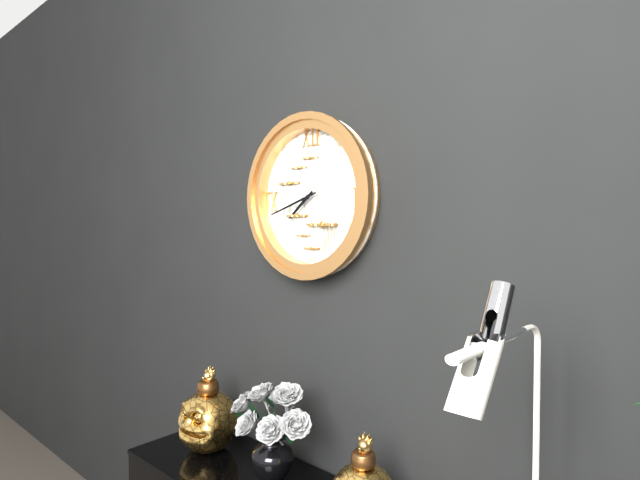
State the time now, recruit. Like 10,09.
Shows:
7,42
